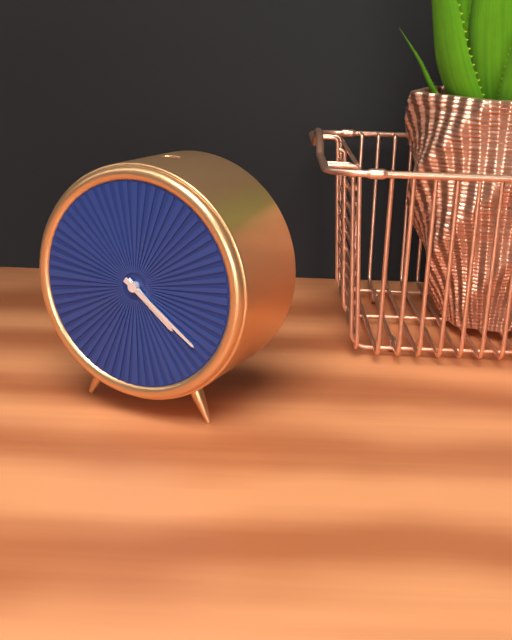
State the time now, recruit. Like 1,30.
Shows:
4,21
